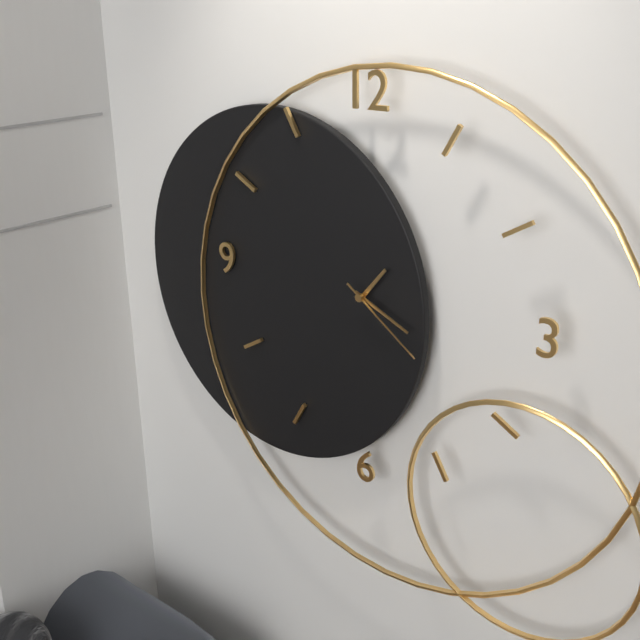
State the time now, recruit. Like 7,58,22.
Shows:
1,19,21
